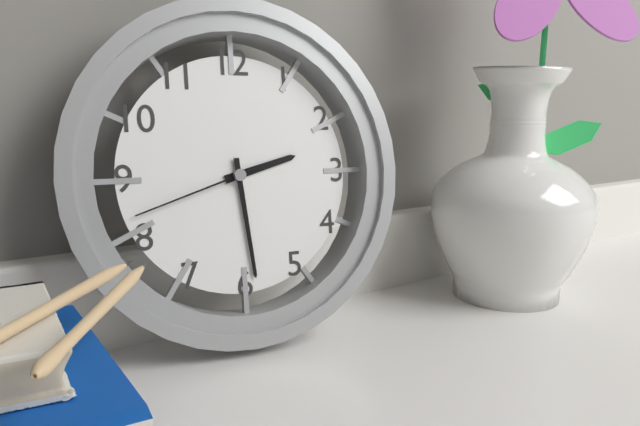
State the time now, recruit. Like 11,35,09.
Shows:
2,29,42
